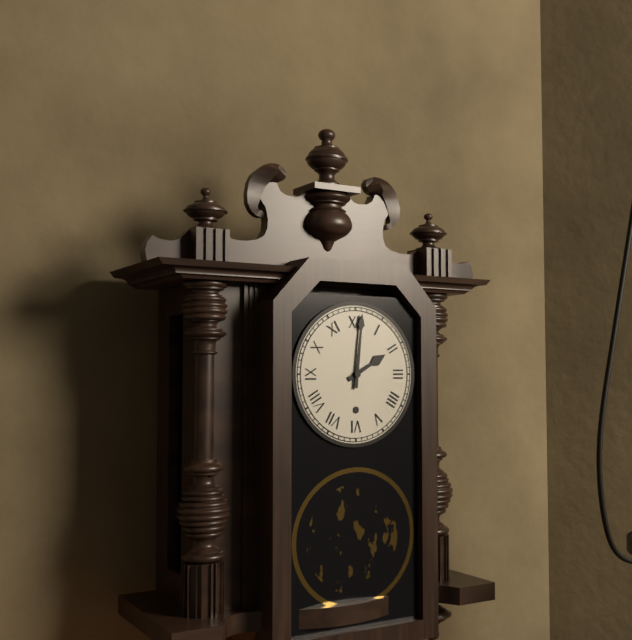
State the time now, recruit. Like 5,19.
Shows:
2,01
